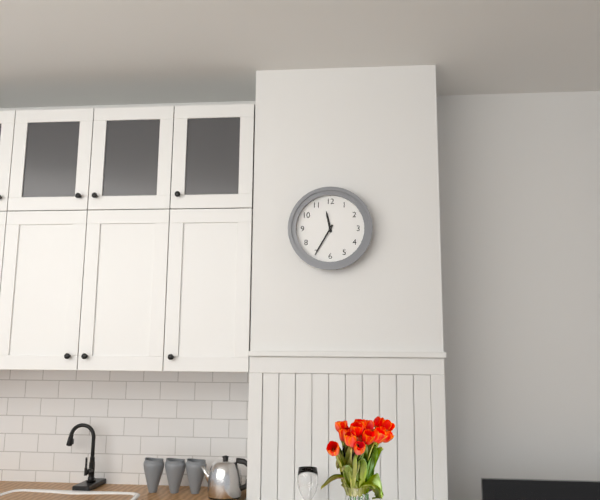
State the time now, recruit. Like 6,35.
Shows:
11,35
